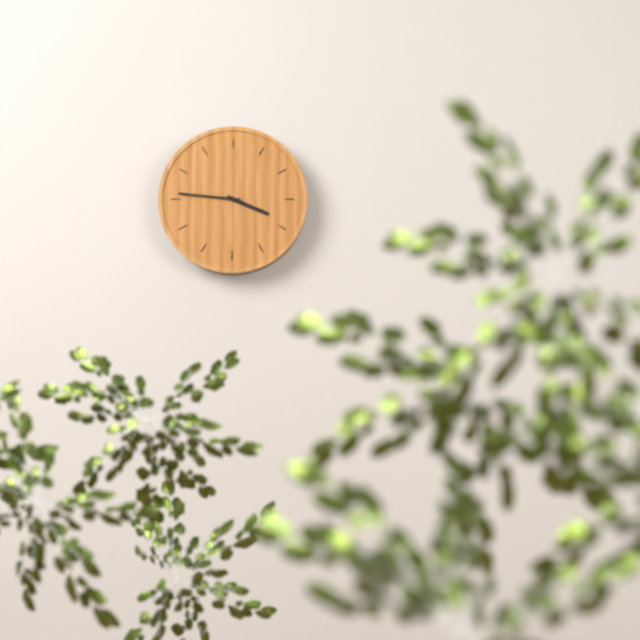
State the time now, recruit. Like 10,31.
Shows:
3,46
